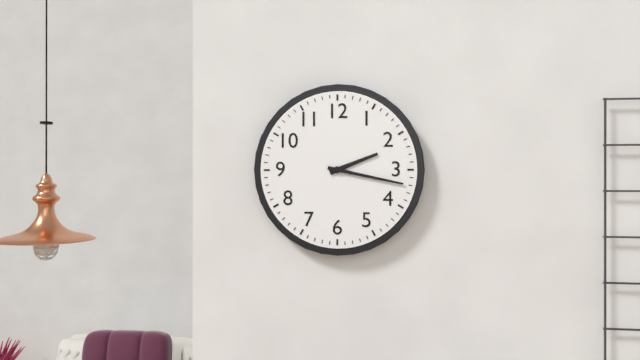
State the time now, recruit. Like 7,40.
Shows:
2,17
